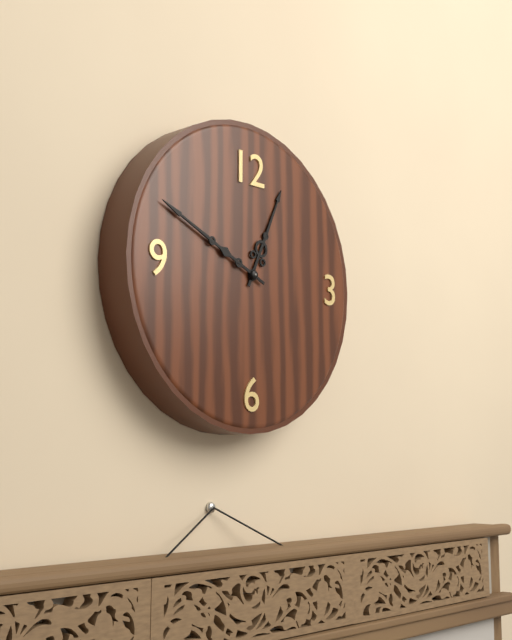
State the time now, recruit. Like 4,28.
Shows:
12,49
